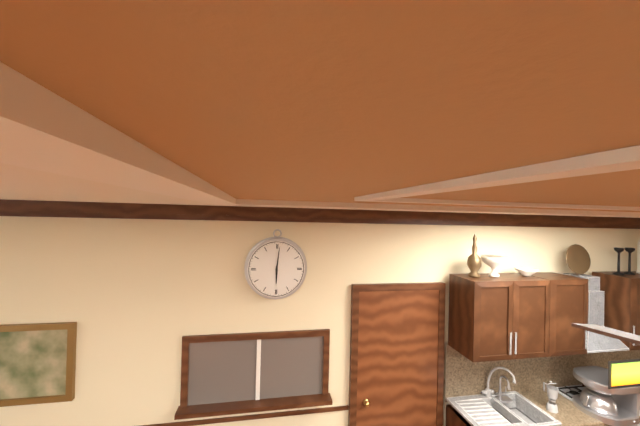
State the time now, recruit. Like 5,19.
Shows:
6,01
